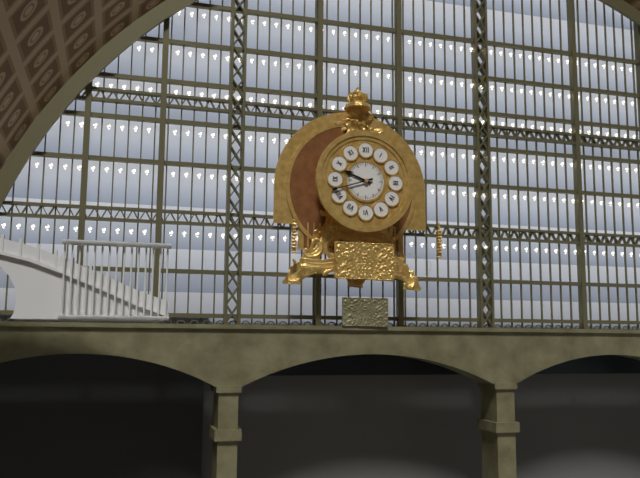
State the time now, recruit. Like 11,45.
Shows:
9,42
